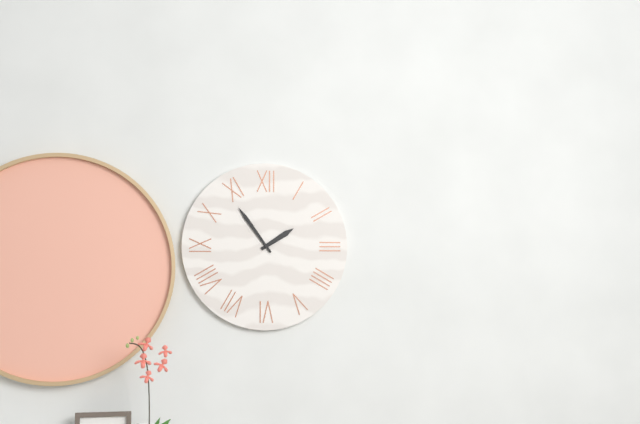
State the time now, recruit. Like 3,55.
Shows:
1,54
